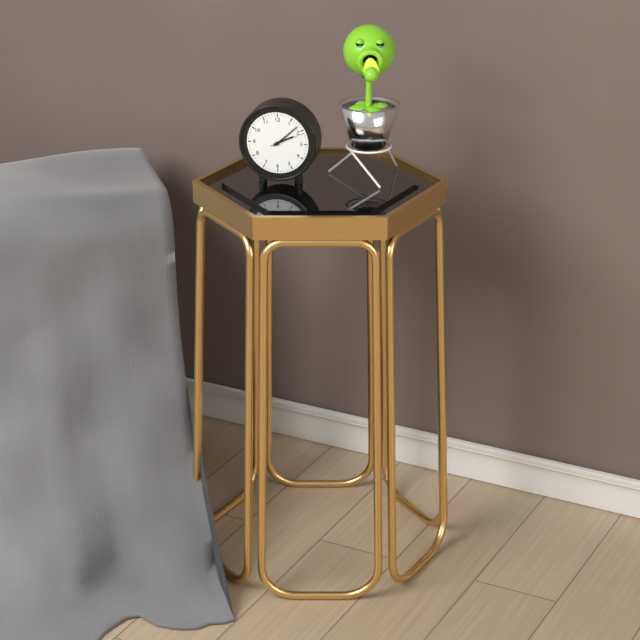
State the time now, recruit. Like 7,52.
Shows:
2,08
